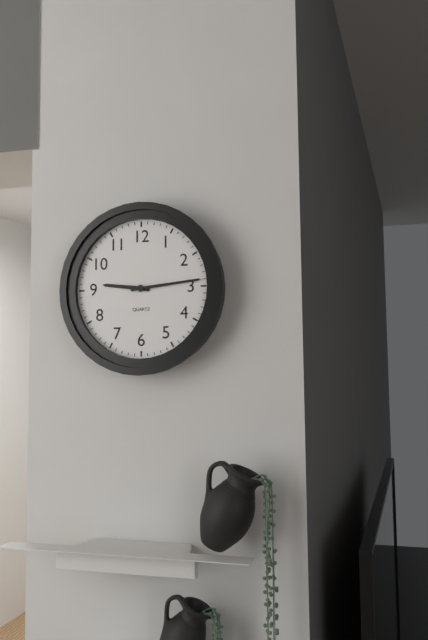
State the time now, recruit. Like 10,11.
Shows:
9,14
